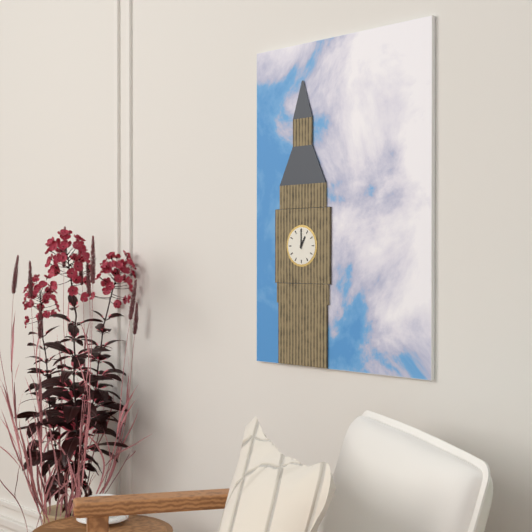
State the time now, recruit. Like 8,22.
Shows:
1,00
